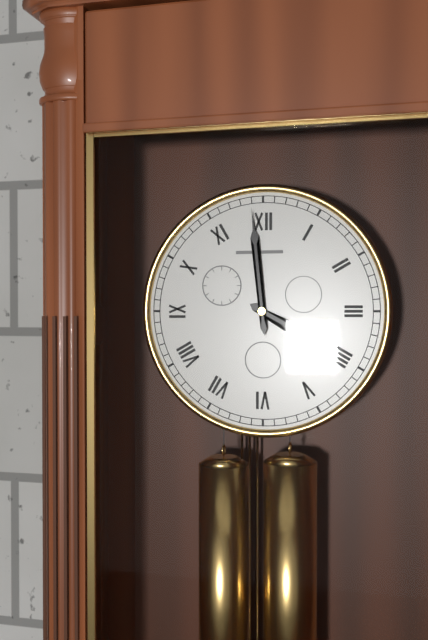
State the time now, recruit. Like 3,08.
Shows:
3,59
